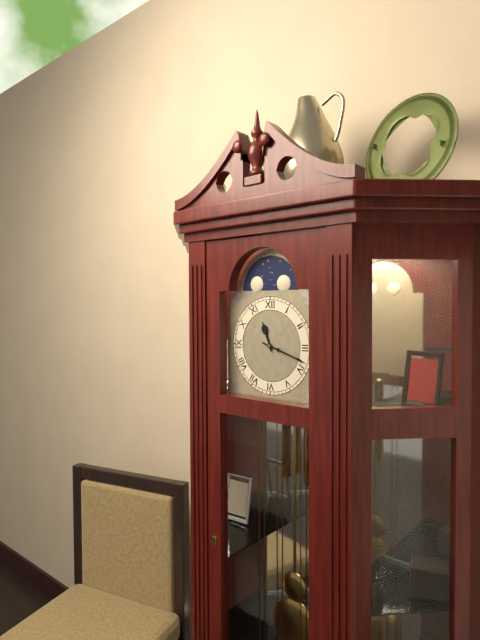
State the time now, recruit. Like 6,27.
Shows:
11,18
